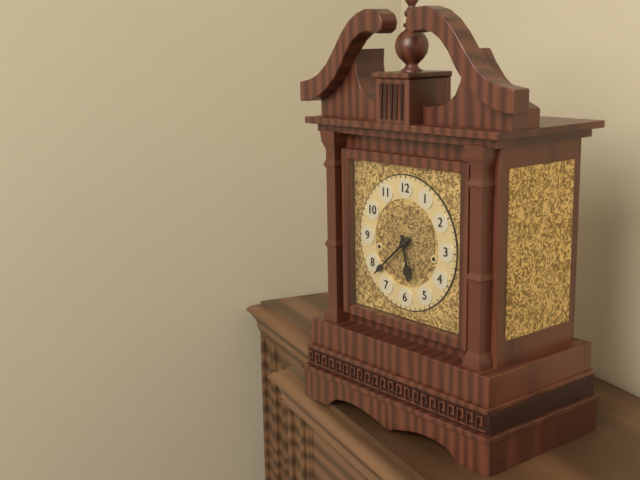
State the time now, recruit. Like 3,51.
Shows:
5,38
